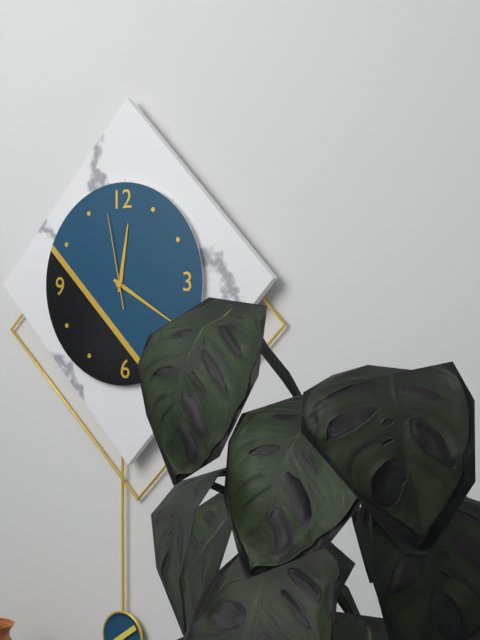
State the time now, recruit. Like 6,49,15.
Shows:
12,20,58
